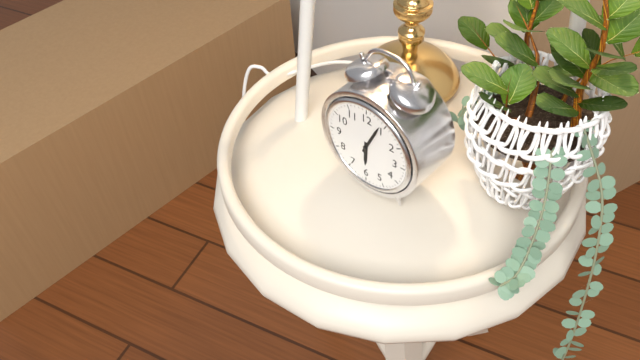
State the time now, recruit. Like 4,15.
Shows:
6,04
